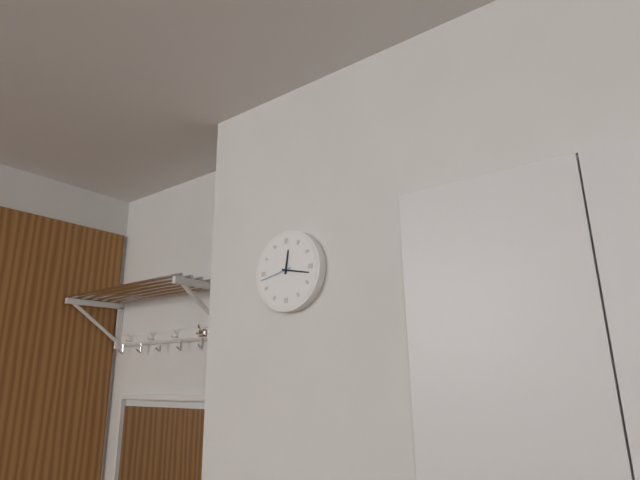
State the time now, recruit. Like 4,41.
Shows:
12,17
